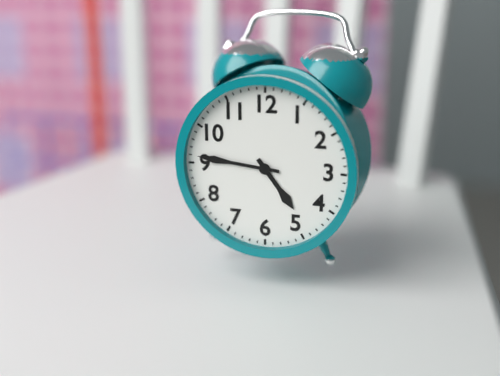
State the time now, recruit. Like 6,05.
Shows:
4,46
